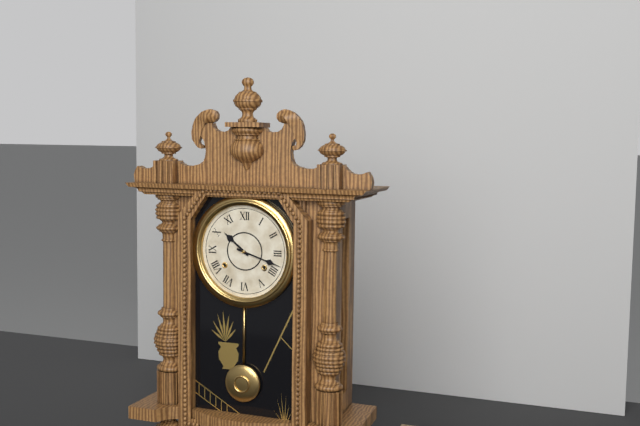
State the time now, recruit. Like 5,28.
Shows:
10,18
